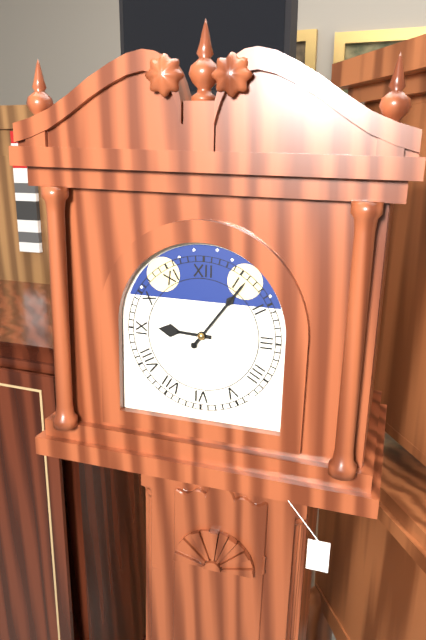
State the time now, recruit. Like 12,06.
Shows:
9,06
